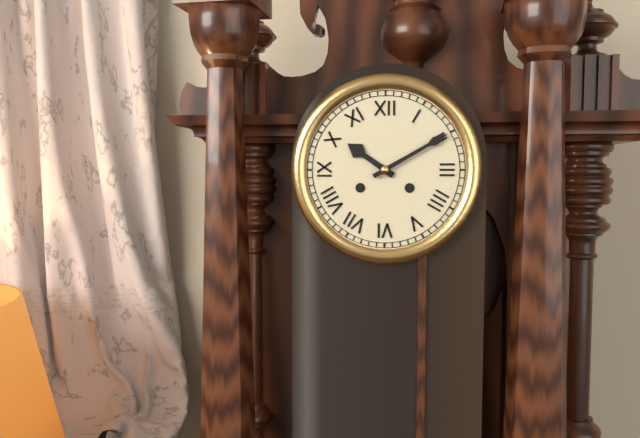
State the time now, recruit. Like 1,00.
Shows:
10,10
